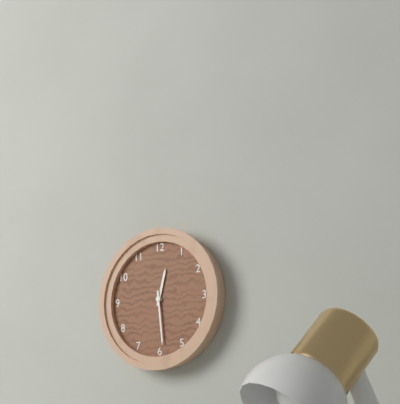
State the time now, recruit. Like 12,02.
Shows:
12,29
